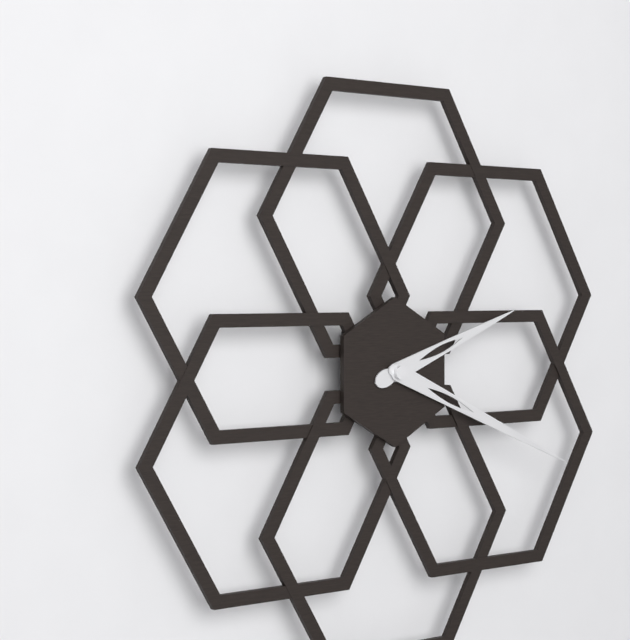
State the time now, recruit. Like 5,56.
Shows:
2,19
